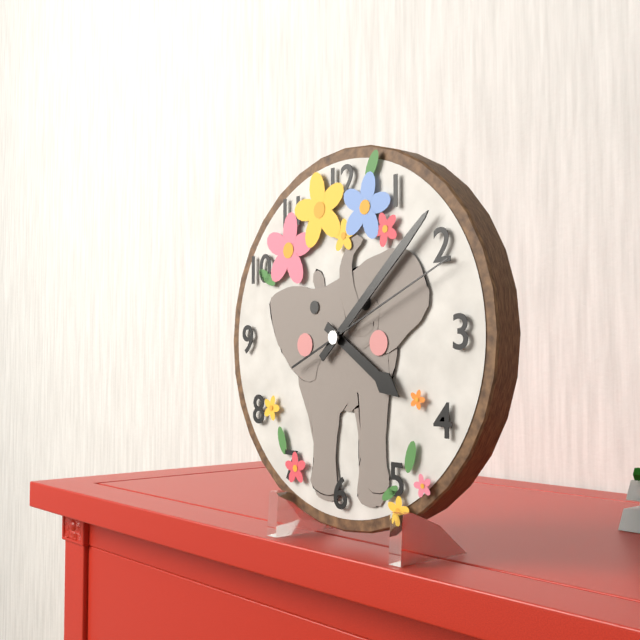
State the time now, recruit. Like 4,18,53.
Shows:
4,08,11
